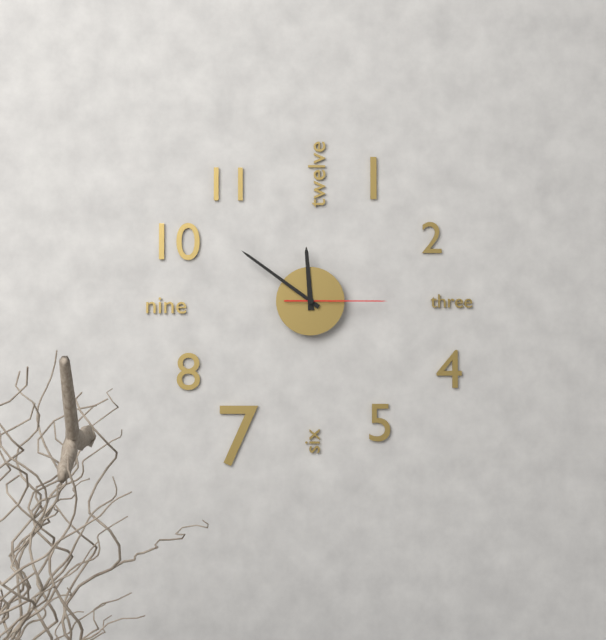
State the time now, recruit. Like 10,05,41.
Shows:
11,51,15
